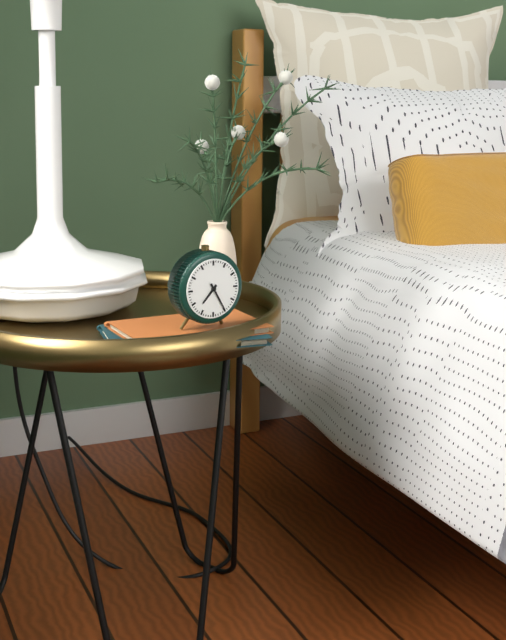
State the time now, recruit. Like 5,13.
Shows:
7,25
